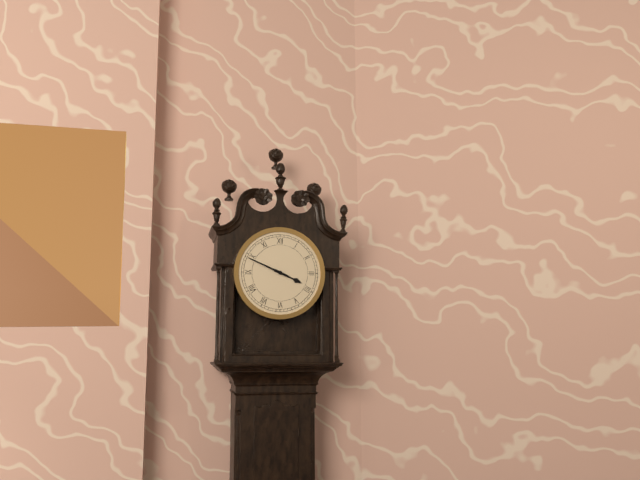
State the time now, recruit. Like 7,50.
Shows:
3,49
